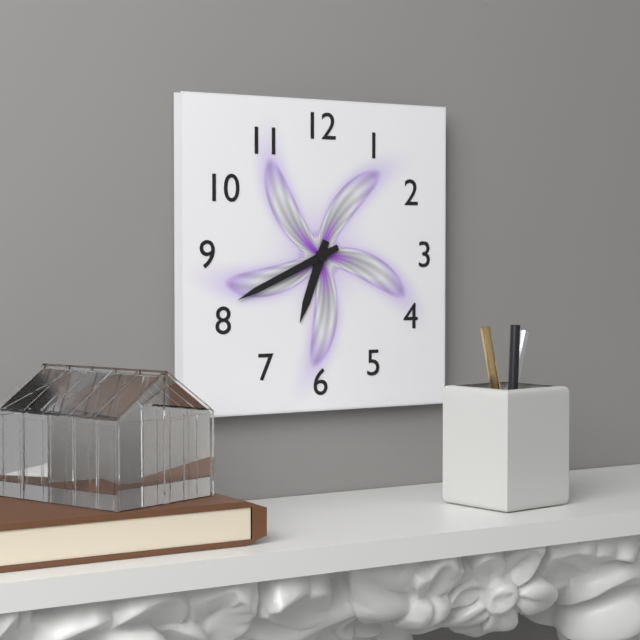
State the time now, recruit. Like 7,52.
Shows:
6,41
